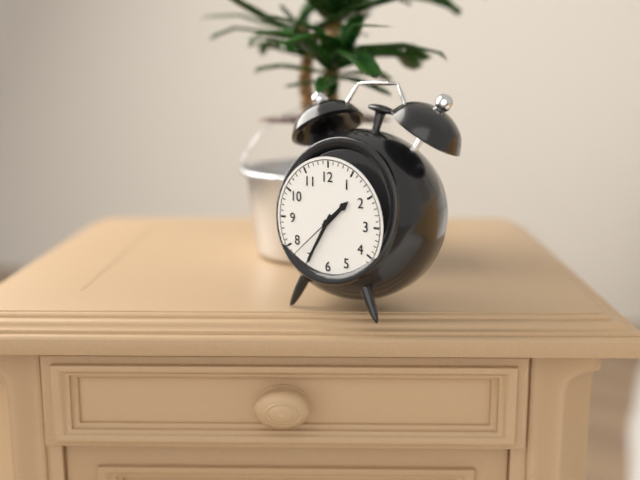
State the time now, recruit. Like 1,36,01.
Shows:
1,35,38
